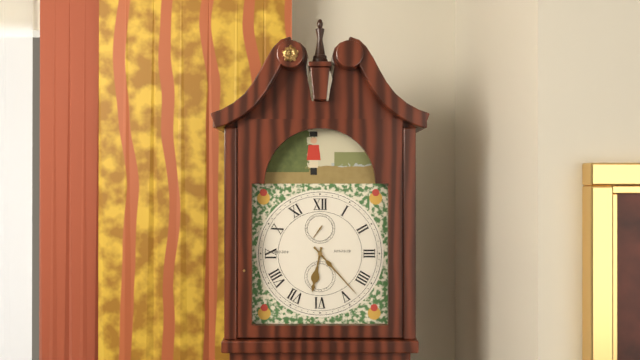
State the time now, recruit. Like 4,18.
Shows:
6,23
